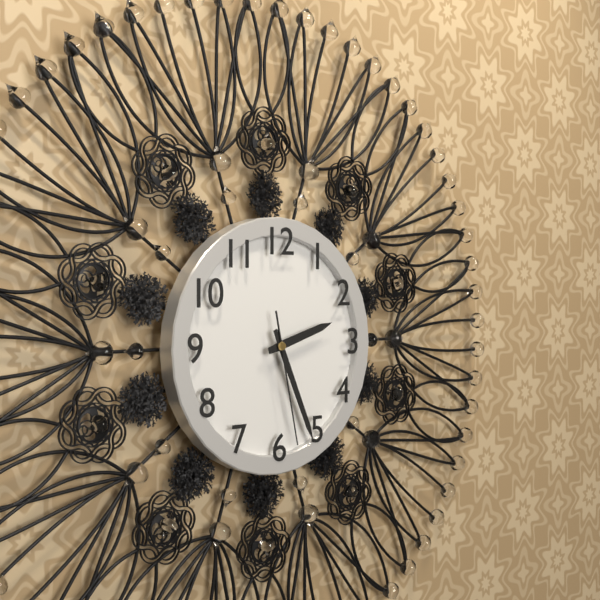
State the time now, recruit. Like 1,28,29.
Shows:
2,26,28
